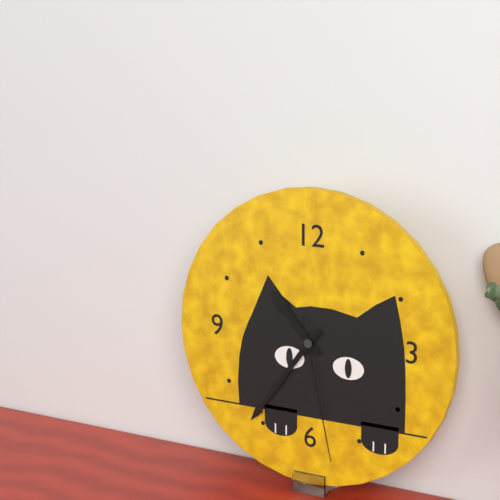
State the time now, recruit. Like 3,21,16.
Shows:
10,36,28
